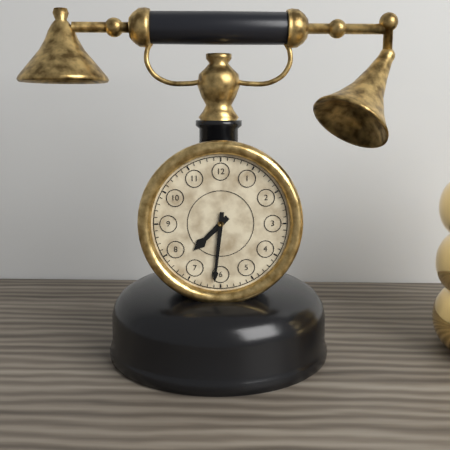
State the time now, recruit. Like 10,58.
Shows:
7,31
